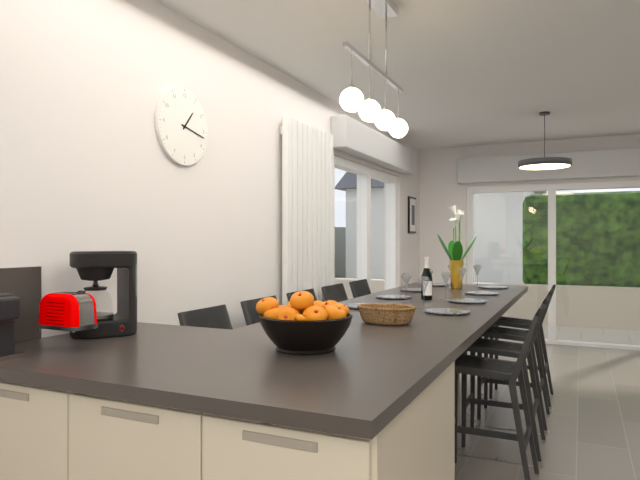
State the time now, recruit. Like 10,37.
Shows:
1,17
